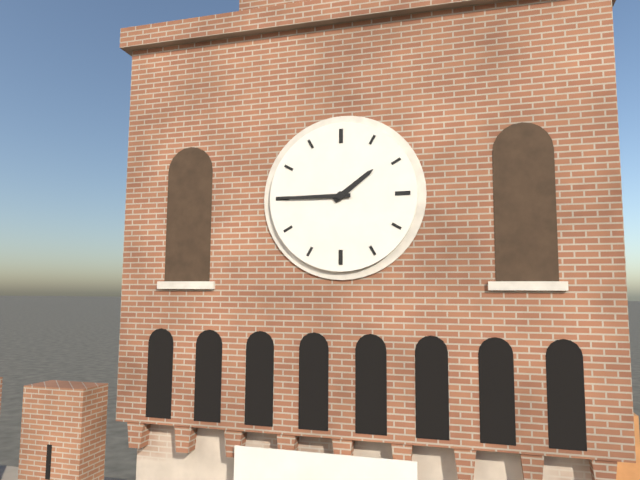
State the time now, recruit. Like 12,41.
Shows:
1,45
